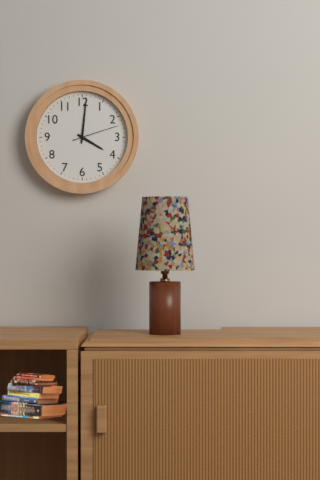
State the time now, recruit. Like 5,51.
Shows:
4,01
